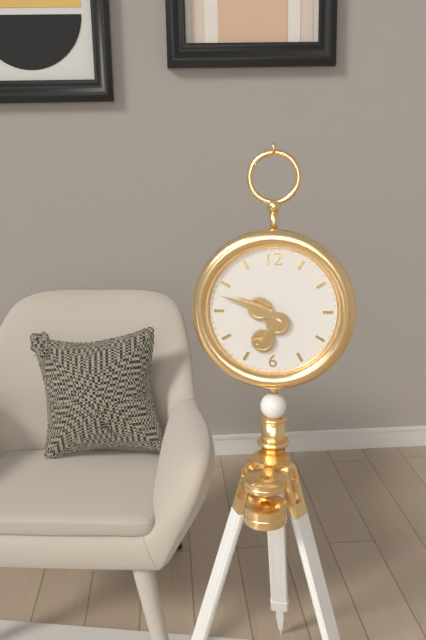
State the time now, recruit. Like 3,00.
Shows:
9,48
